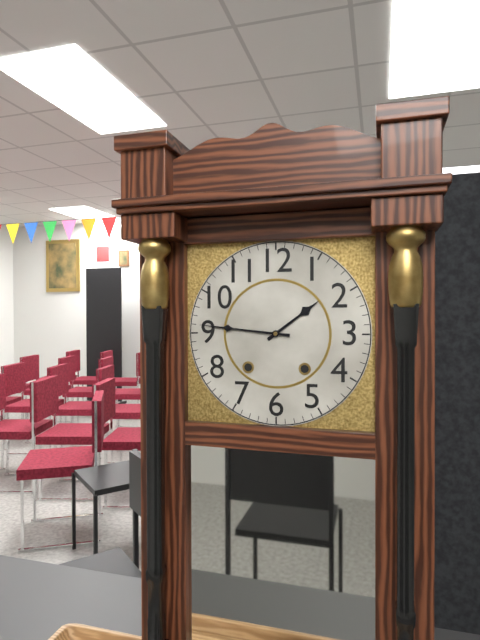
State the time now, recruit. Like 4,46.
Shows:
1,46
